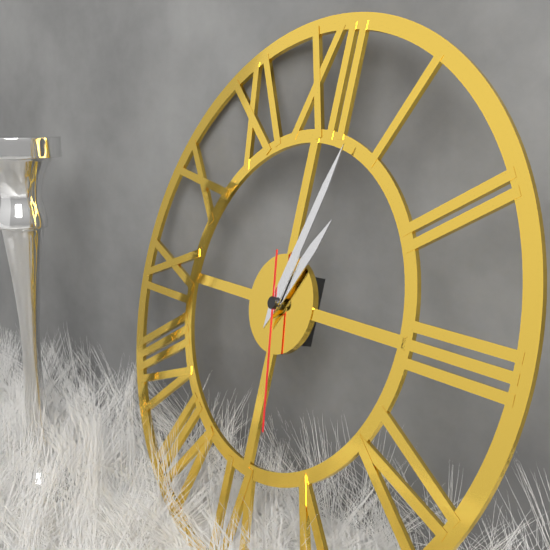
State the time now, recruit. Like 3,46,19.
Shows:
1,03,28
